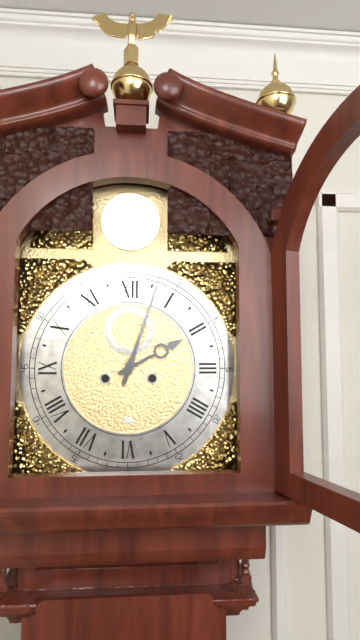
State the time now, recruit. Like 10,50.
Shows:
2,03
